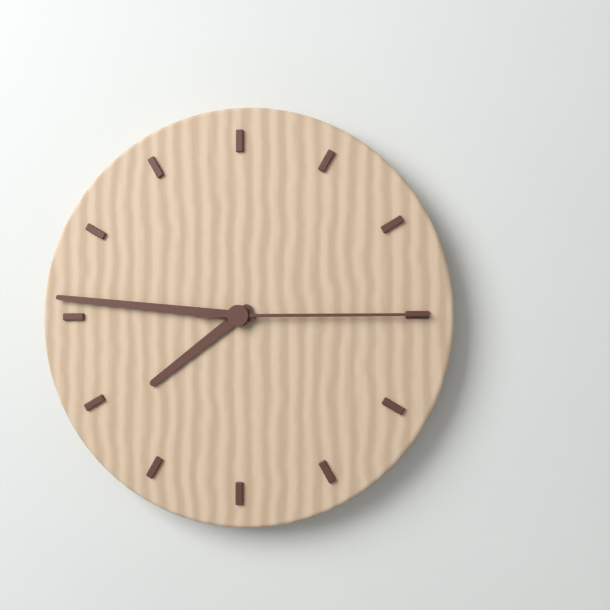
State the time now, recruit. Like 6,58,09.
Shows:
7,46,15
